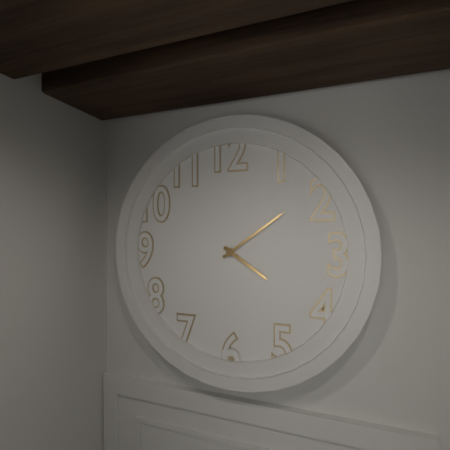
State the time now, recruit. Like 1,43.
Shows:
4,09
